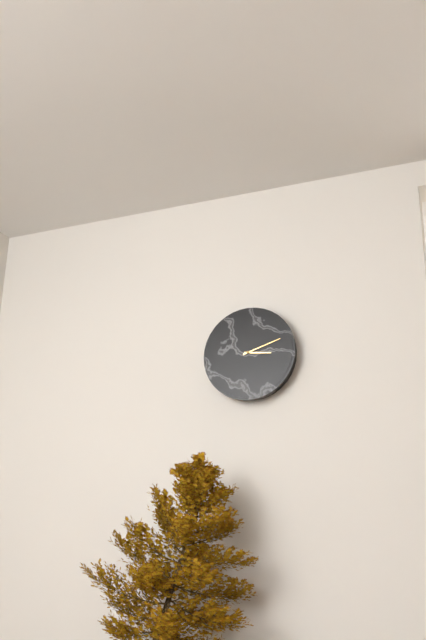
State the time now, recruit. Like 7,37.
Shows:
3,12
